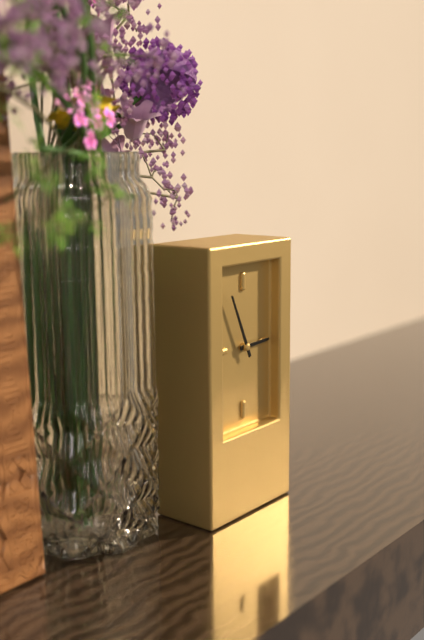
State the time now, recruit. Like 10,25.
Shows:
2,56
